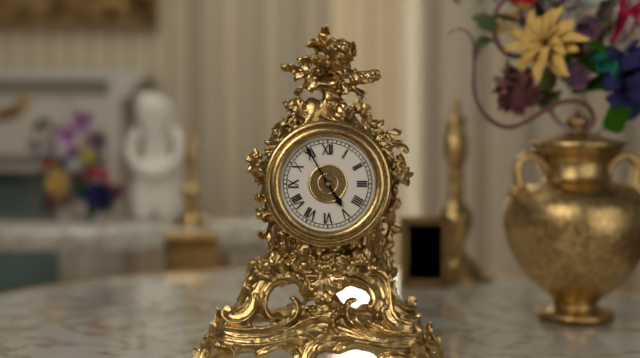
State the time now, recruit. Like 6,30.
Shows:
4,55
